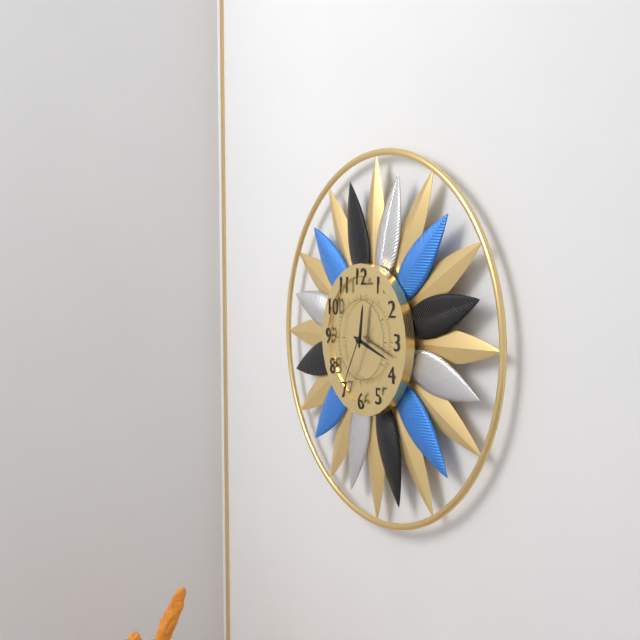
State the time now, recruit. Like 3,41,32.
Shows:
12,18,35
